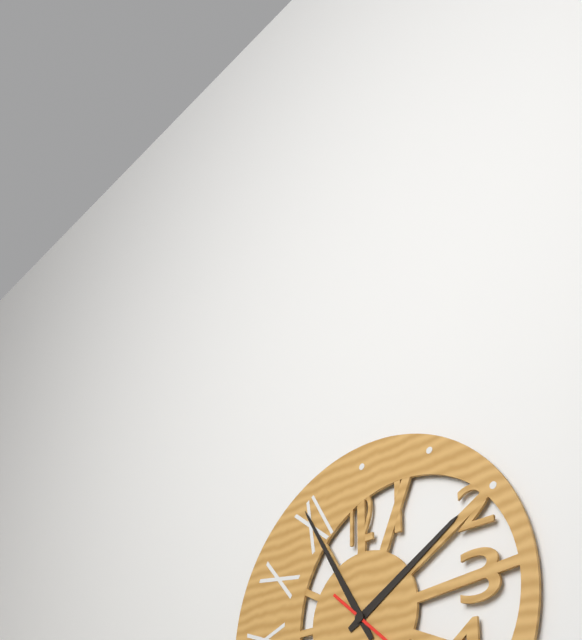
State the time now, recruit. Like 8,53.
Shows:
1,55
